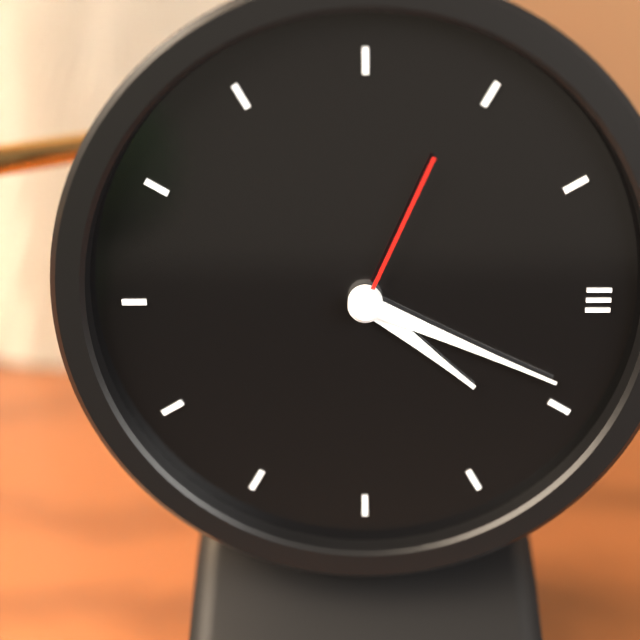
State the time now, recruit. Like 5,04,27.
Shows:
4,19,04
